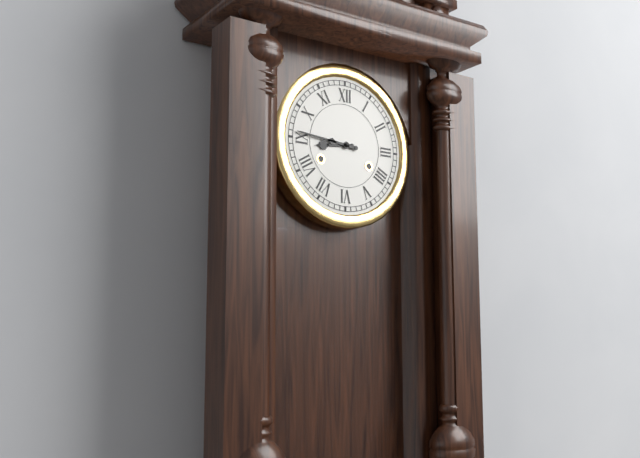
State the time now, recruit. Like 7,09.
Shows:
8,46
